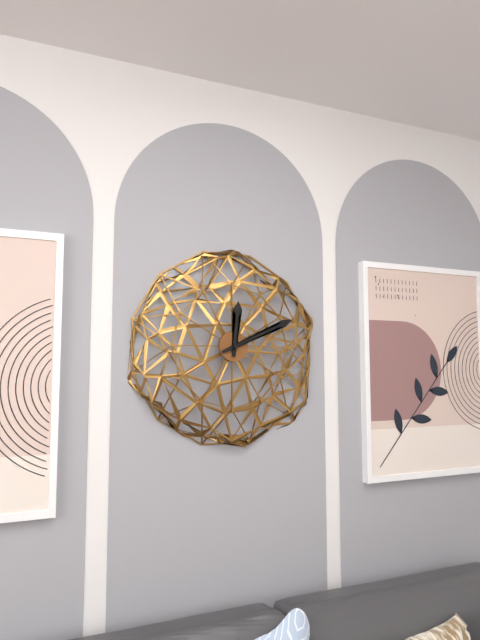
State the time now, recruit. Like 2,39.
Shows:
12,11
